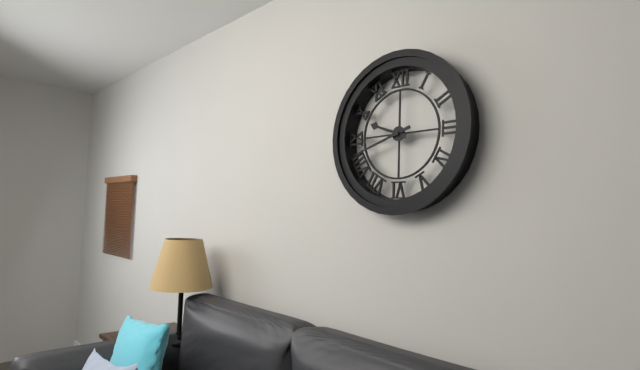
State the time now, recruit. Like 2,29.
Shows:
9,42
